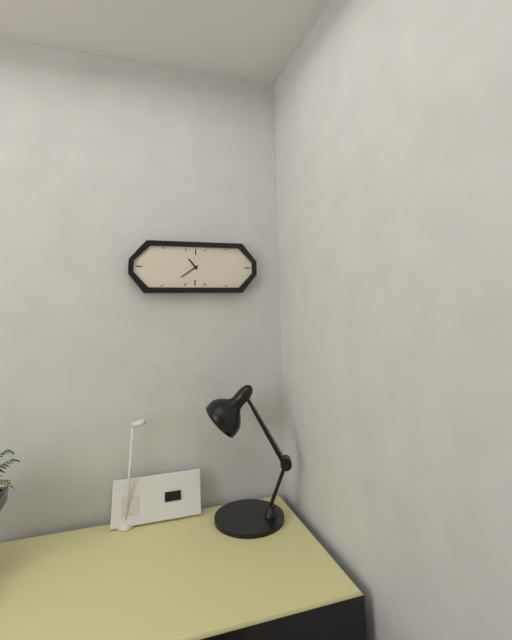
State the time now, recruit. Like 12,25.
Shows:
10,39
